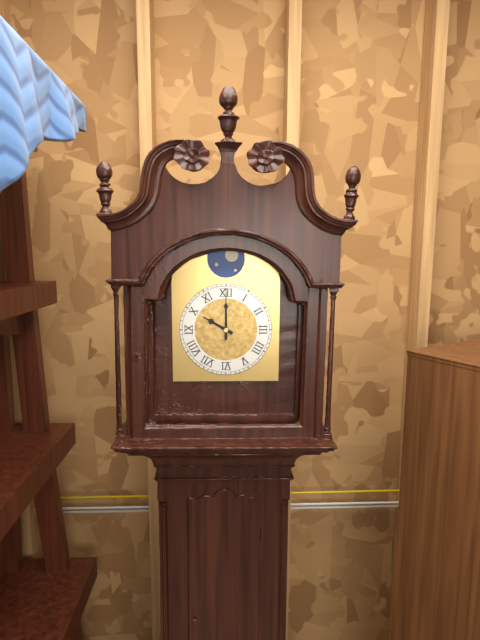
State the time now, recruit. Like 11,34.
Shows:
10,00
